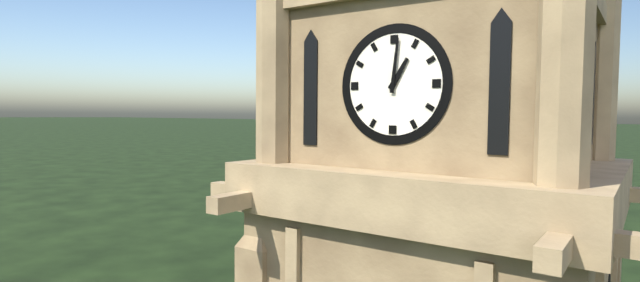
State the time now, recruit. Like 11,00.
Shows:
1,01
